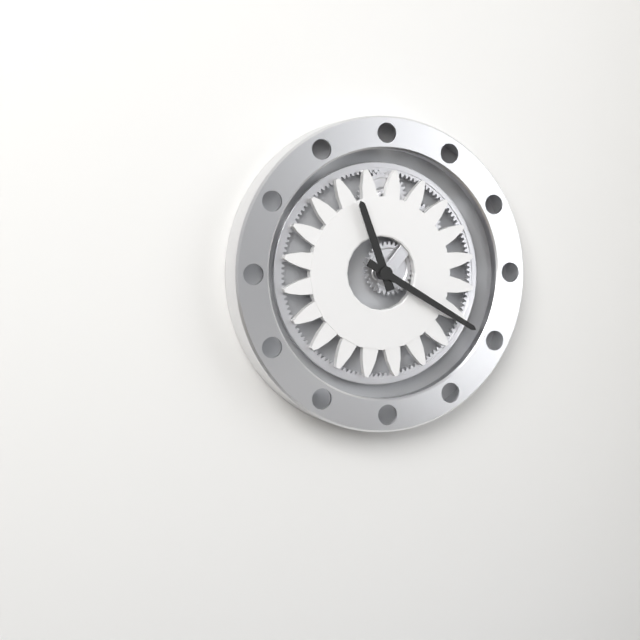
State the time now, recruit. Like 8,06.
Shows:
11,20
